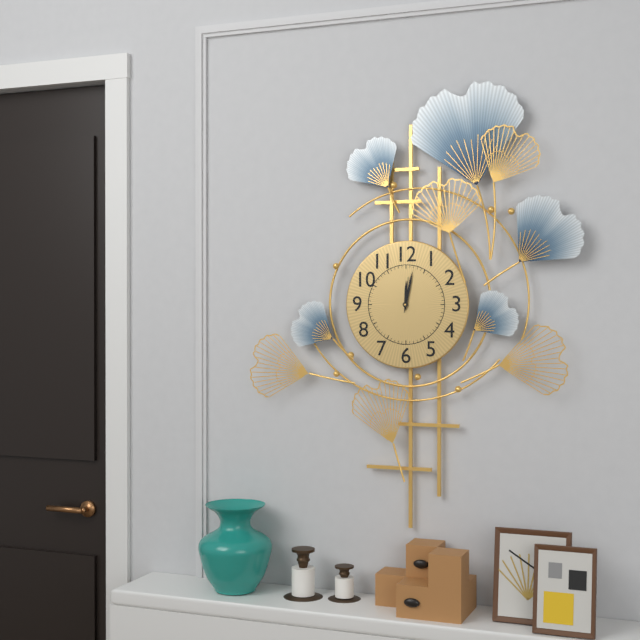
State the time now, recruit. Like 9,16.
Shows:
12,02
